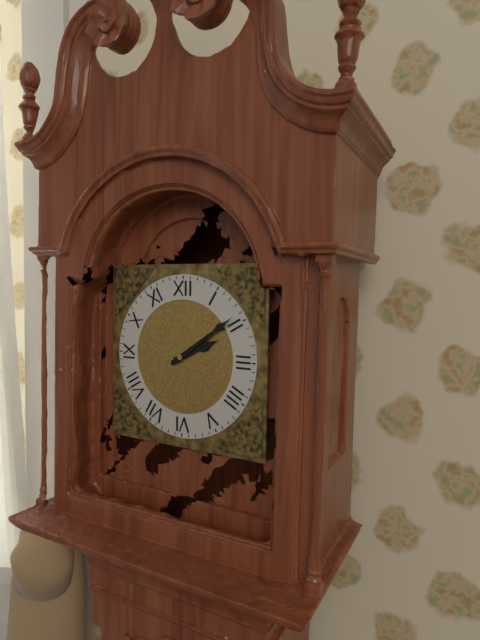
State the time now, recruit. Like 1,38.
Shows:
2,09
